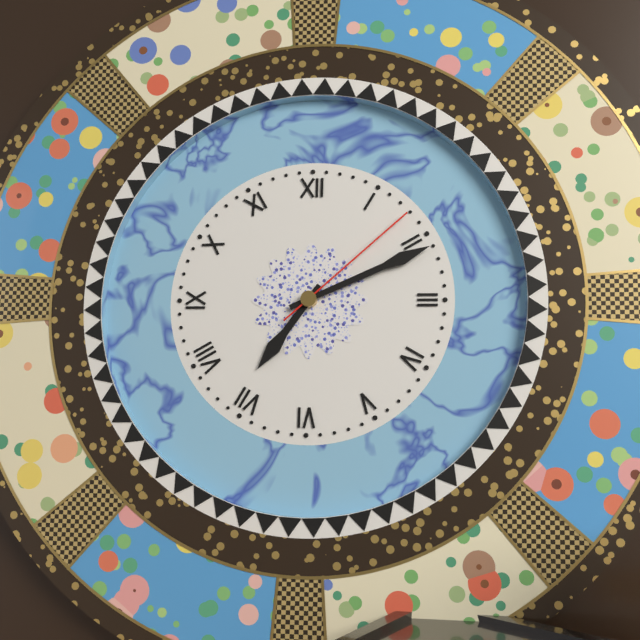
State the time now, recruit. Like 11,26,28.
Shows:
7,11,08
